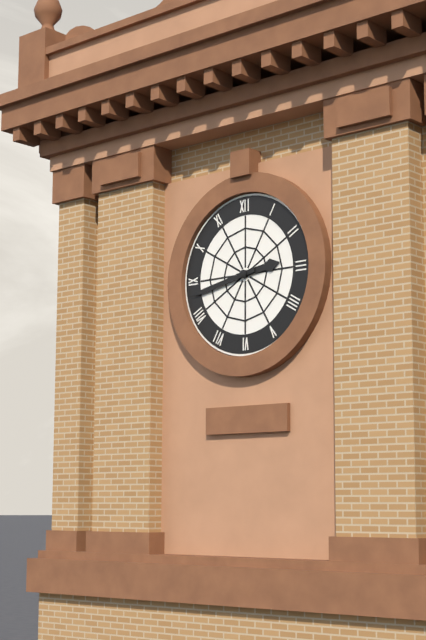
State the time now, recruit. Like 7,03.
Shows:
2,43
